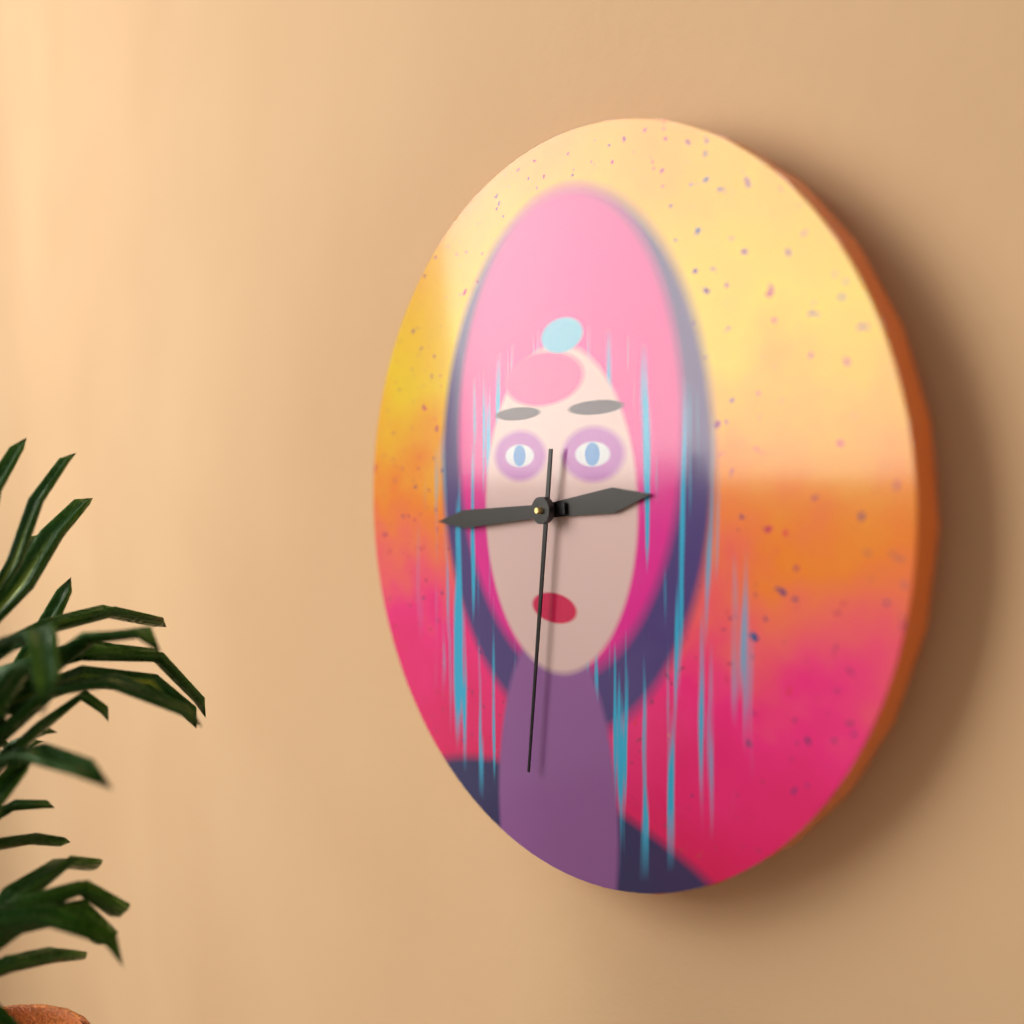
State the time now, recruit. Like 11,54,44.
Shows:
2,44,31
